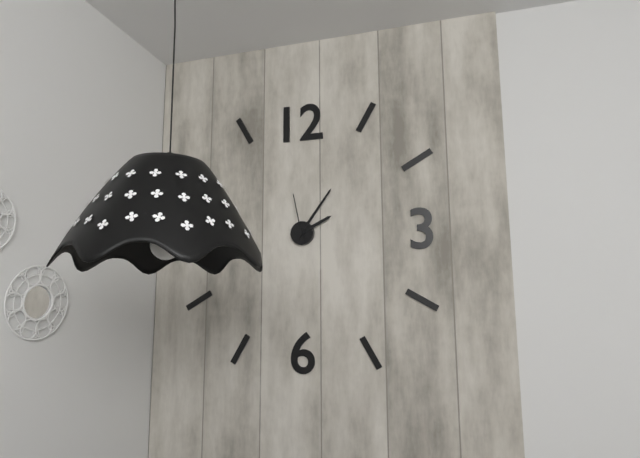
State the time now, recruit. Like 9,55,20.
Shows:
2,06,58
